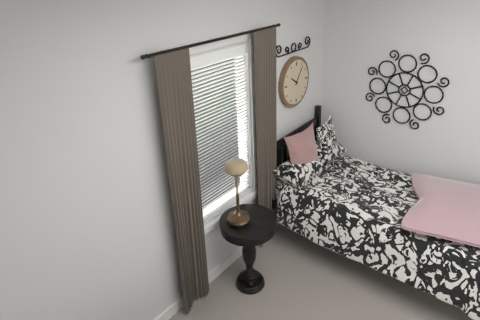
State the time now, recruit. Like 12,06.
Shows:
10,06
